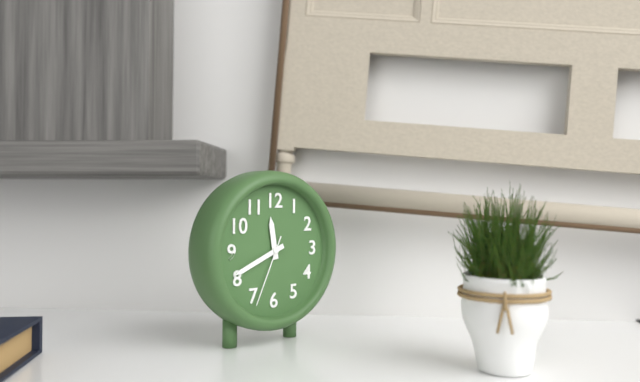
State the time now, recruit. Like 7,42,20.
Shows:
11,41,34
